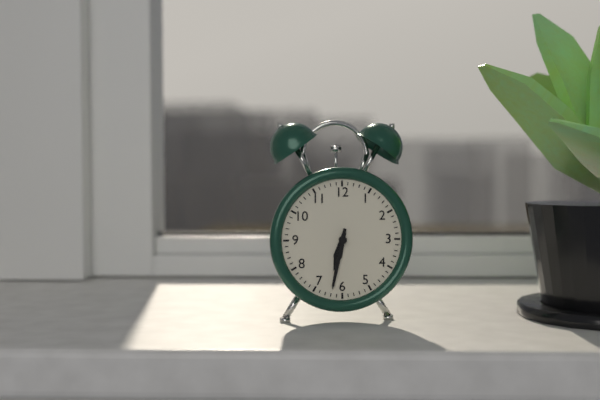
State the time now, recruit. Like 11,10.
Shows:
6,32
